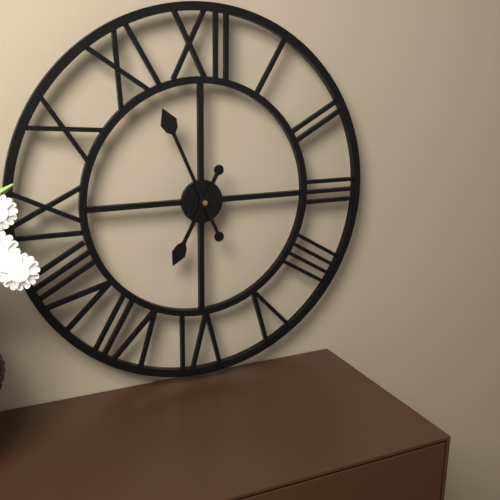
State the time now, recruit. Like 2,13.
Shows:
6,56
